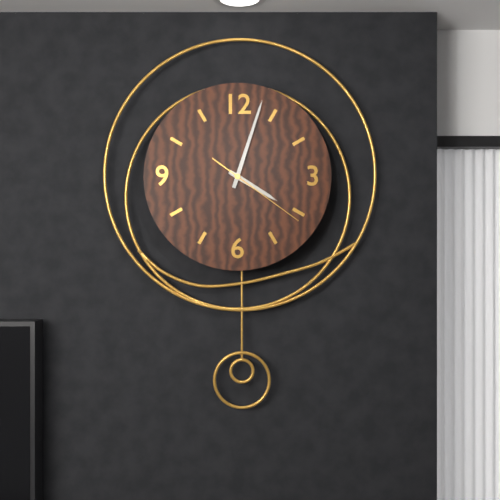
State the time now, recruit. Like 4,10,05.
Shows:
4,03,21
